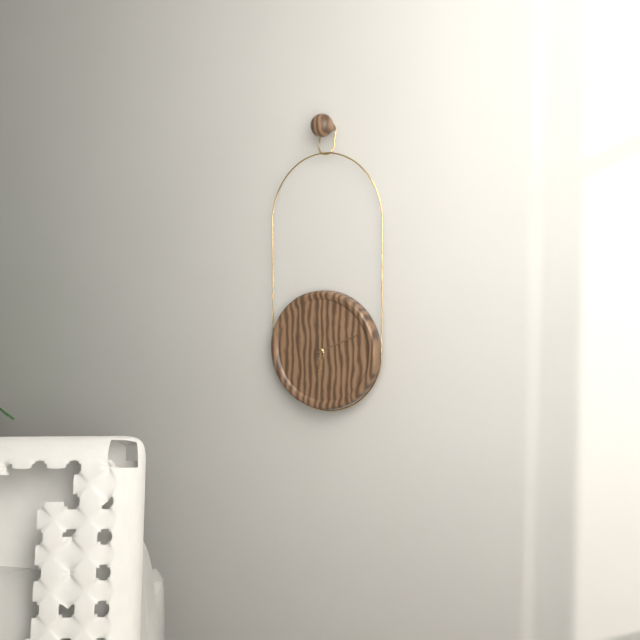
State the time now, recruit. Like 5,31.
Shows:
6,11
